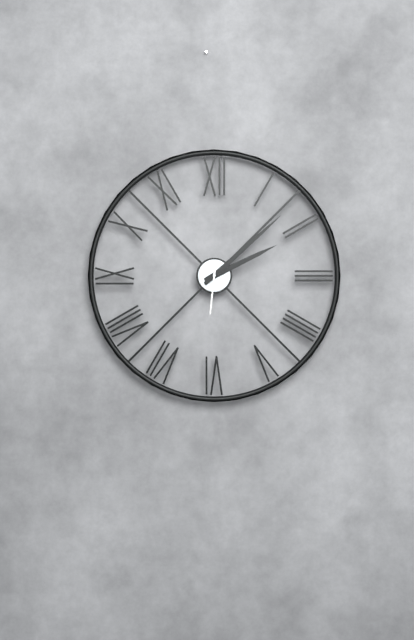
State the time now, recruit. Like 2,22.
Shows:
2,08
